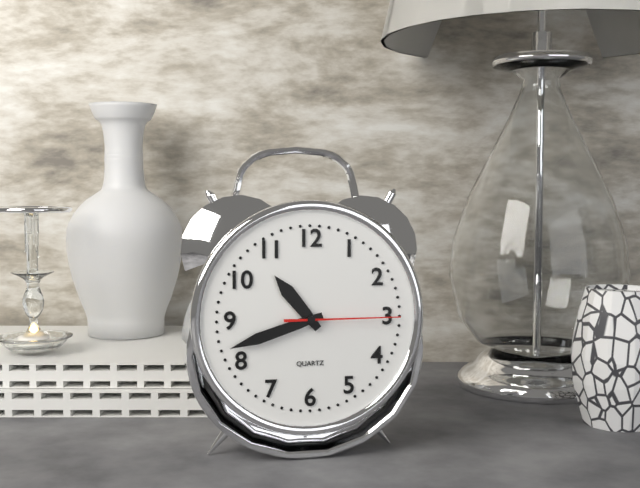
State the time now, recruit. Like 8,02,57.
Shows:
10,42,15
